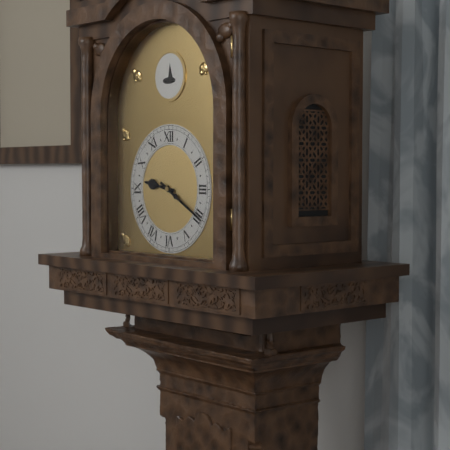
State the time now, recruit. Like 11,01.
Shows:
9,20
